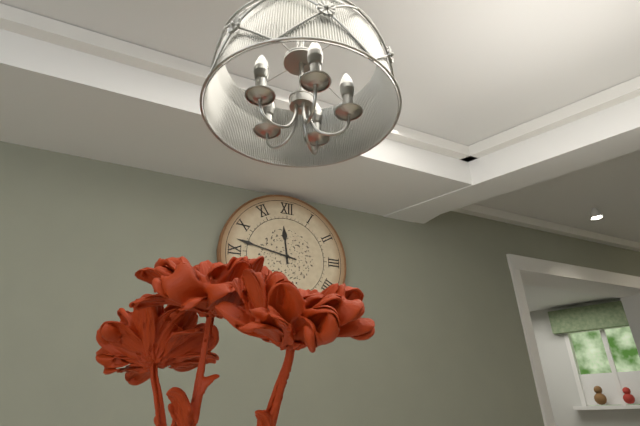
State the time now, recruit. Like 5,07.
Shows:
11,47
